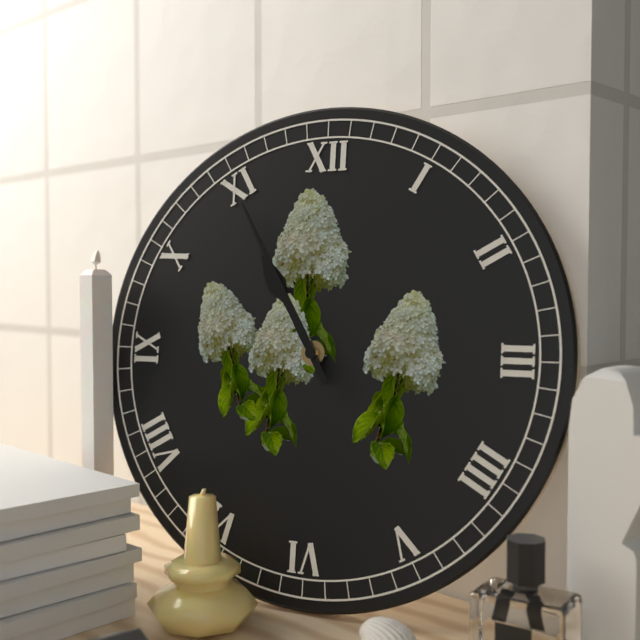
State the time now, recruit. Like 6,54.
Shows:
10,55
